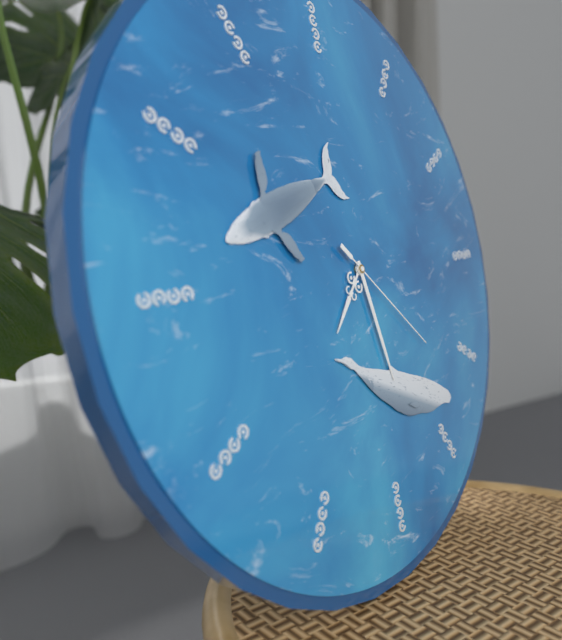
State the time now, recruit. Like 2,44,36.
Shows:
7,28,22
